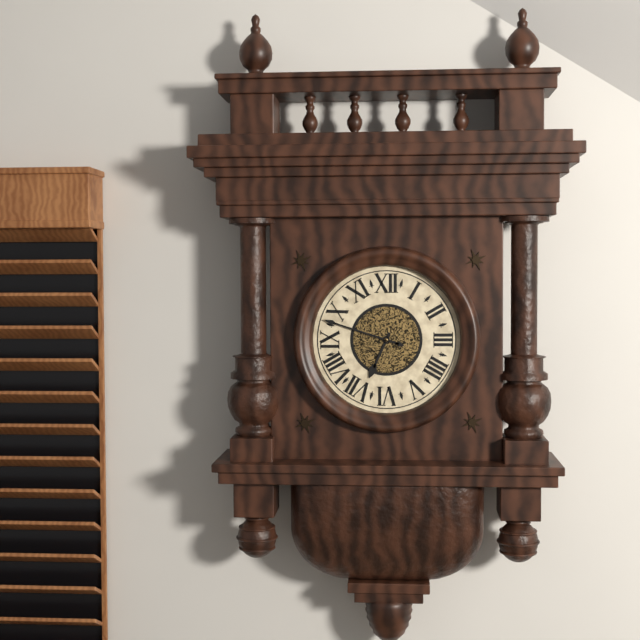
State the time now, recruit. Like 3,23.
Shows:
6,48
